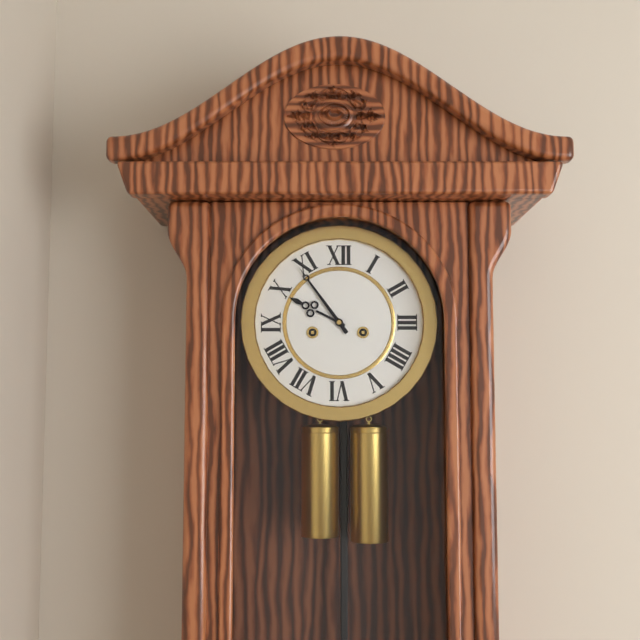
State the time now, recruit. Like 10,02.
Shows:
9,54
